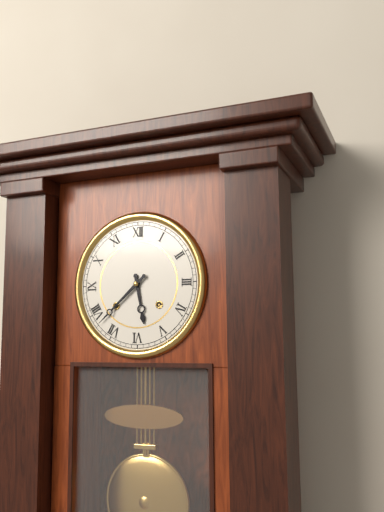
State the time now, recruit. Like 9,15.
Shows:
5,38
